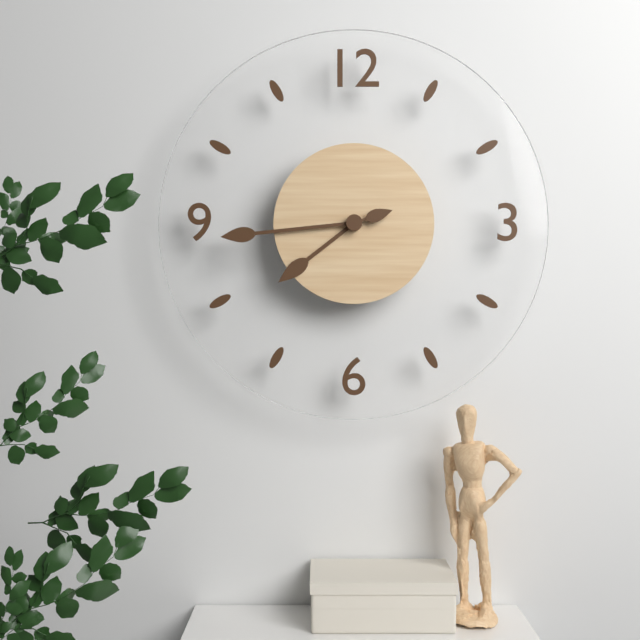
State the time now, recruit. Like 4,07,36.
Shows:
7,44,12
